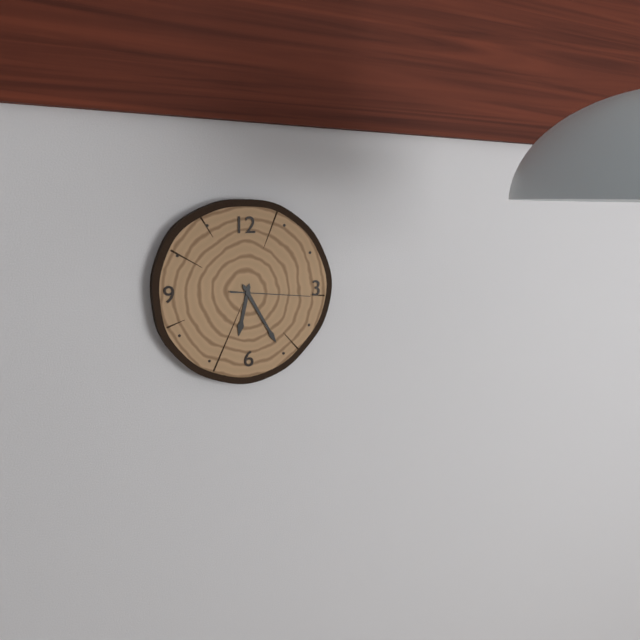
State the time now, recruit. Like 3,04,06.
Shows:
6,25,16
